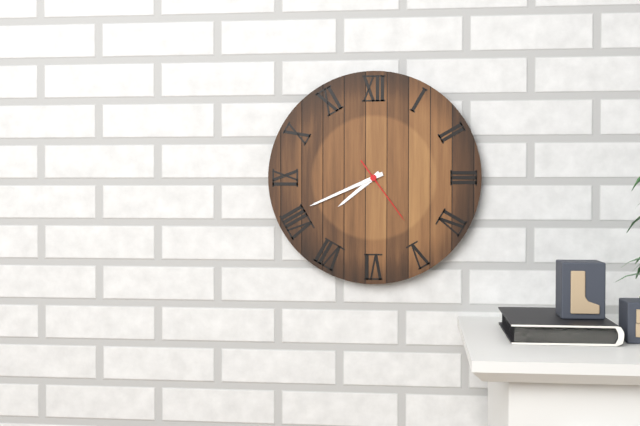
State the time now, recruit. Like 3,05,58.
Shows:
7,41,24
